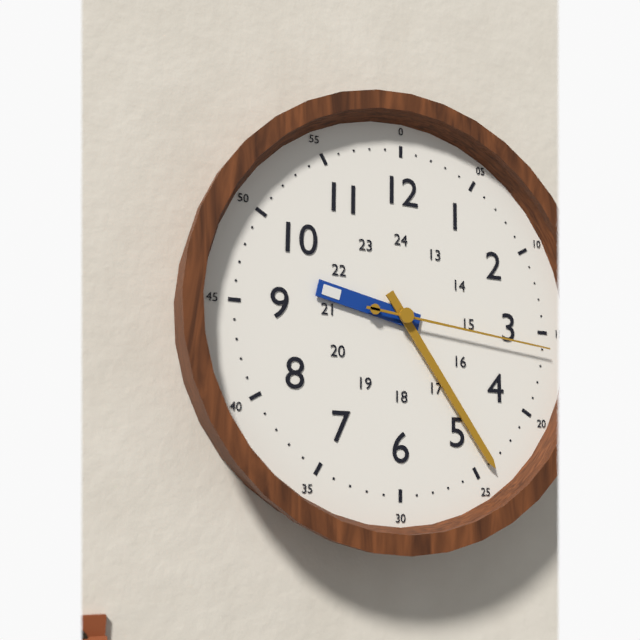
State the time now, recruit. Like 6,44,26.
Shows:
9,24,16
